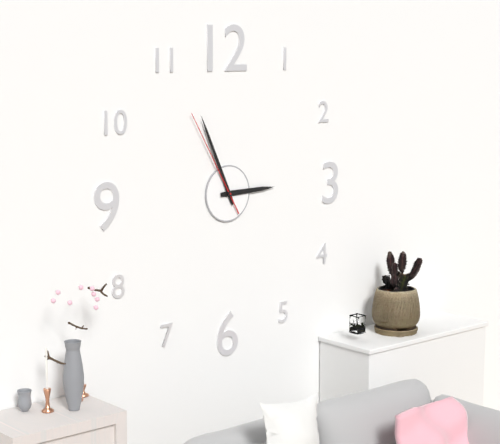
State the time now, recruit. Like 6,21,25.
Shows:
2,56,55
